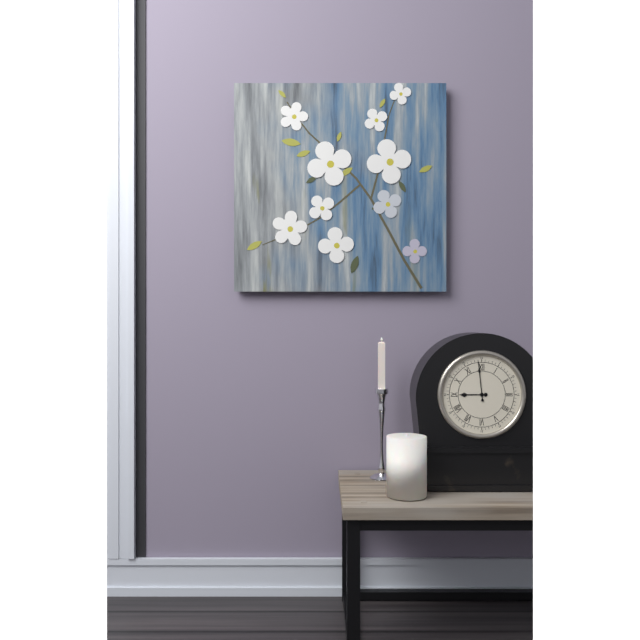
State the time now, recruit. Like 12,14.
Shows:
8,59
